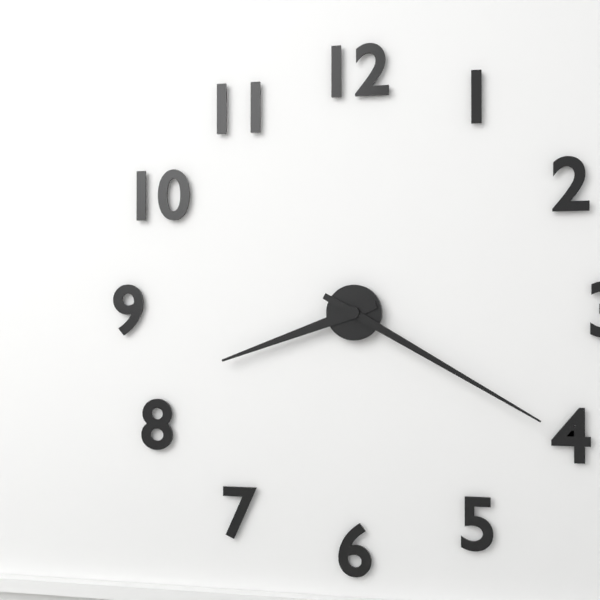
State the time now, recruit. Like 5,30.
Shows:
8,20
